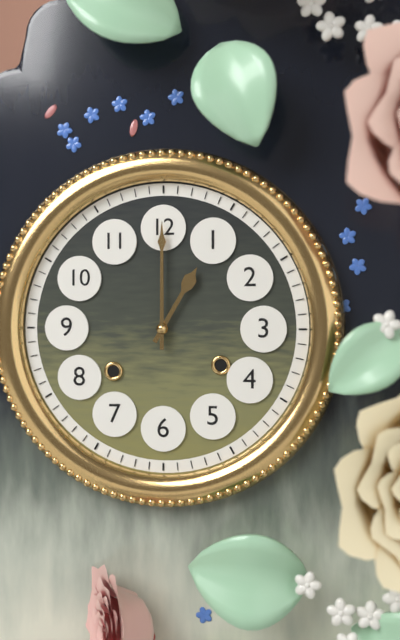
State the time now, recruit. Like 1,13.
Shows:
1,00
